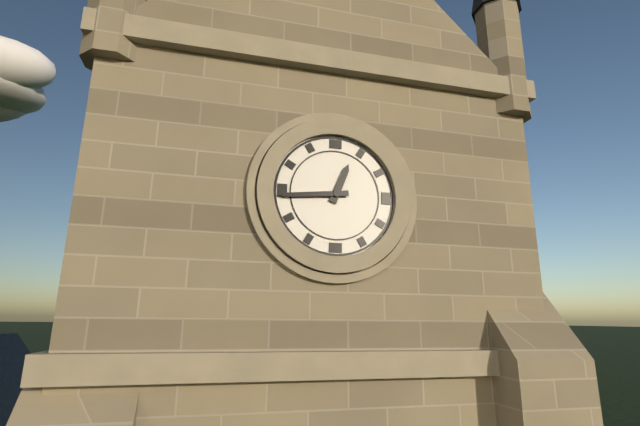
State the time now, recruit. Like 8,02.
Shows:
12,44
